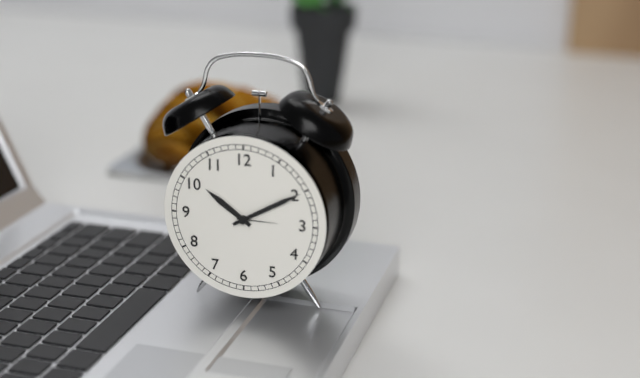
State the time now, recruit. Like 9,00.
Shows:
10,10
